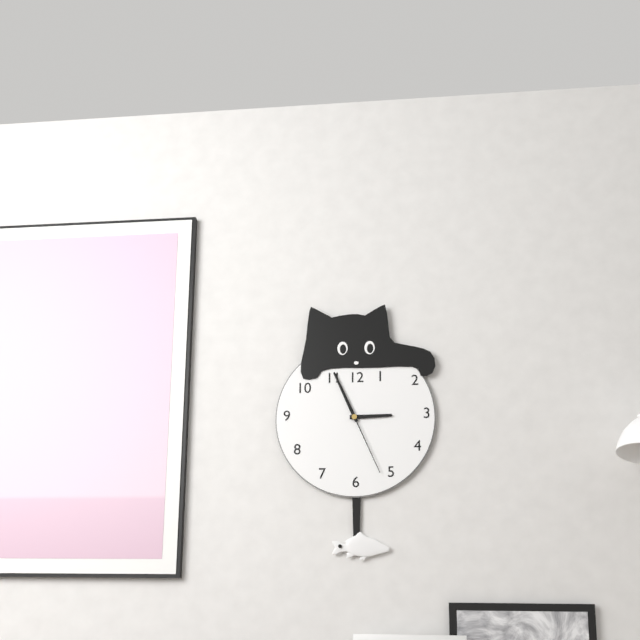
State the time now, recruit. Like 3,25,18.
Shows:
2,56,26
